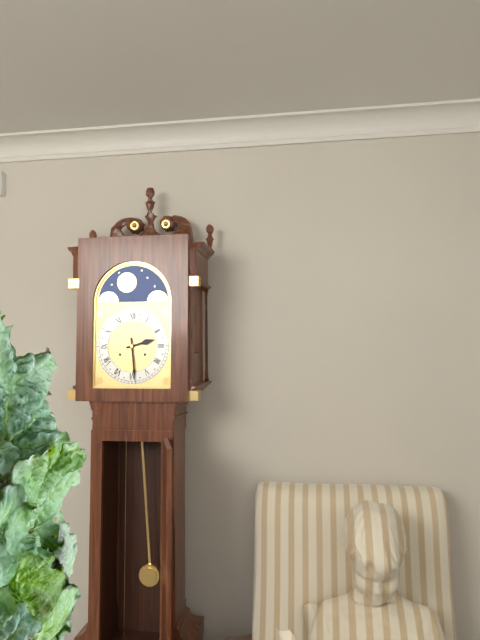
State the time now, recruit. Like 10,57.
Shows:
2,29
